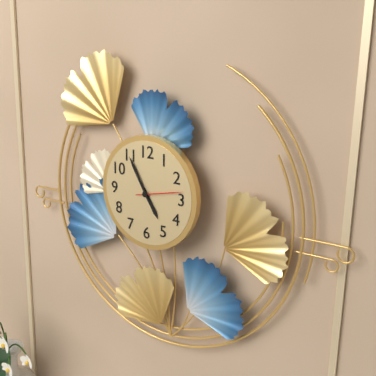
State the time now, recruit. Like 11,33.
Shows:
4,55
